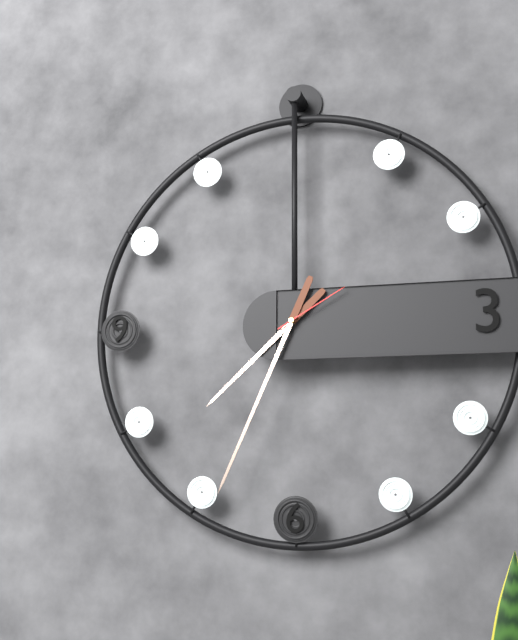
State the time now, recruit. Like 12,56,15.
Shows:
7,34,10
